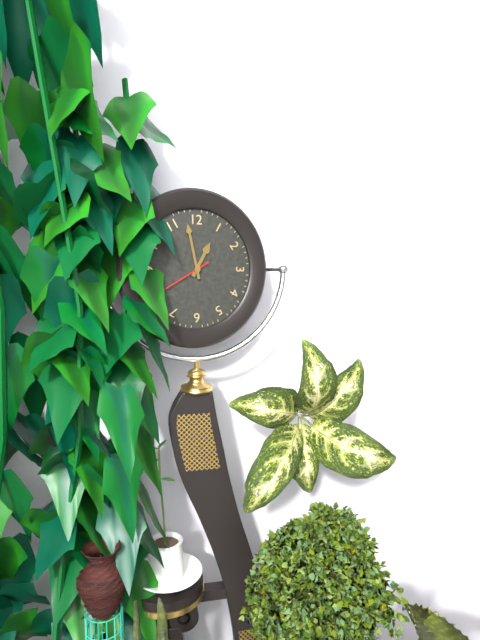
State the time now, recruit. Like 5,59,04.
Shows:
12,58,40
